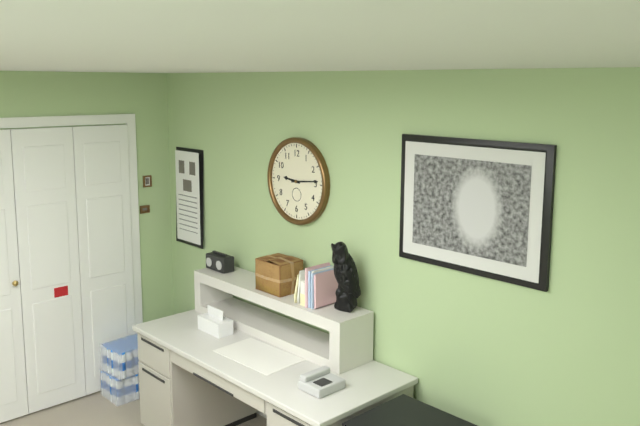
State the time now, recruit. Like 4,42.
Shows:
9,14
